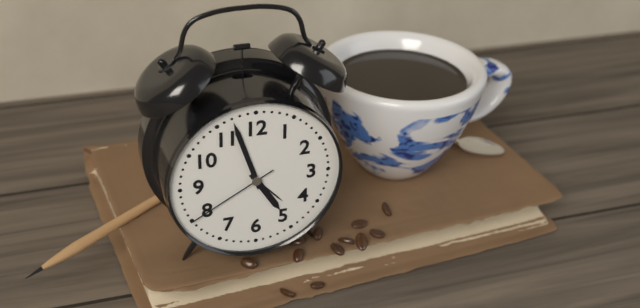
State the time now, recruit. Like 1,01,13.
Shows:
4,57,40
